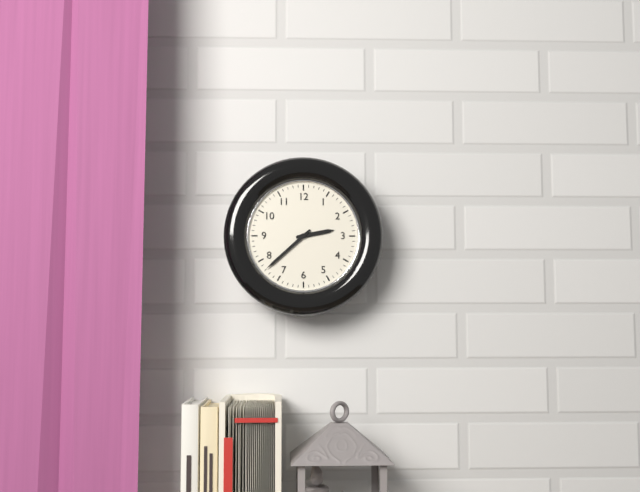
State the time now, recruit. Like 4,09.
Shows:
2,38
